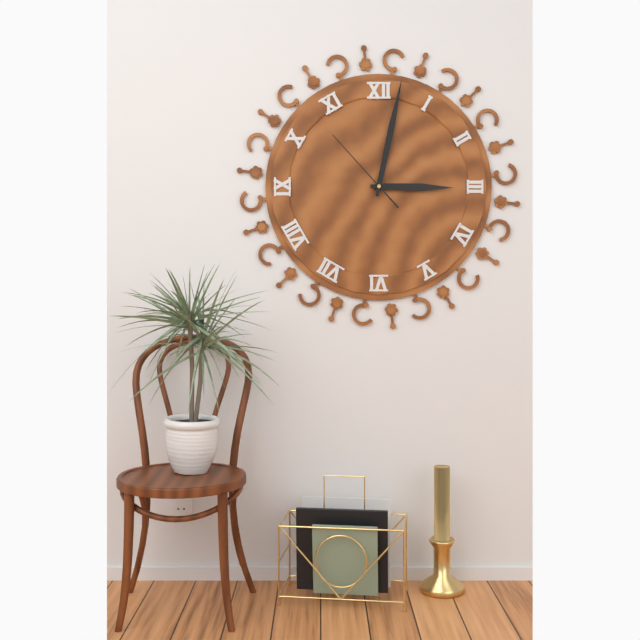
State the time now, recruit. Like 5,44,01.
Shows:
3,02,53
